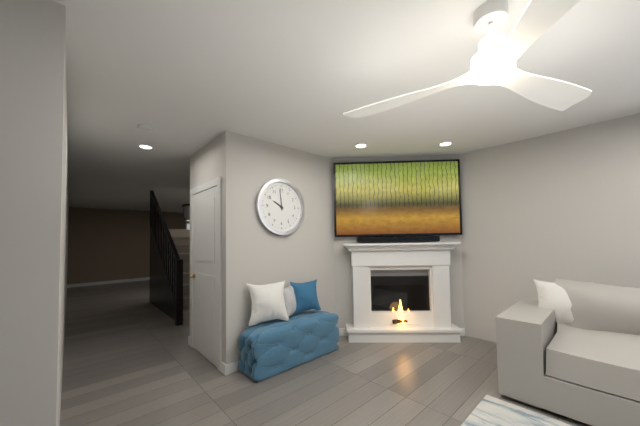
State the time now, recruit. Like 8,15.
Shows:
9,59
